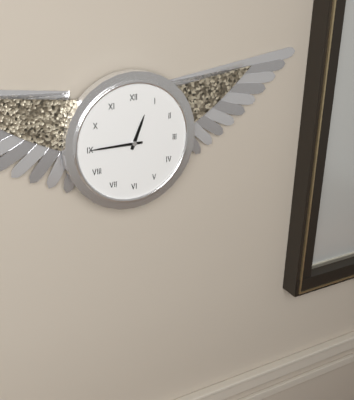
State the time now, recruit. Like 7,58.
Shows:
12,45
